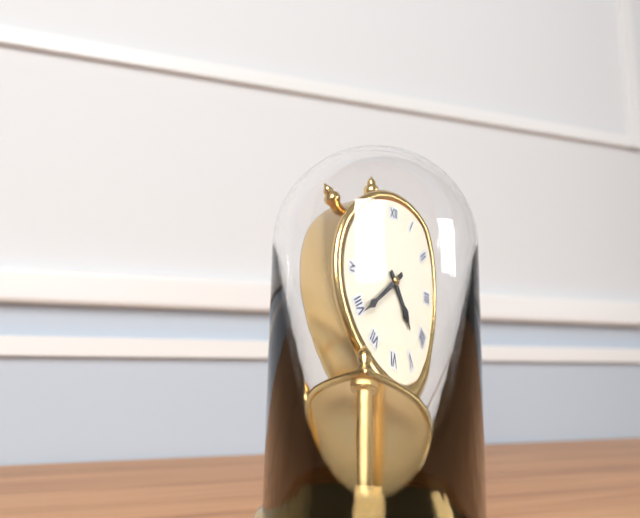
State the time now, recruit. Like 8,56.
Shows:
4,39
